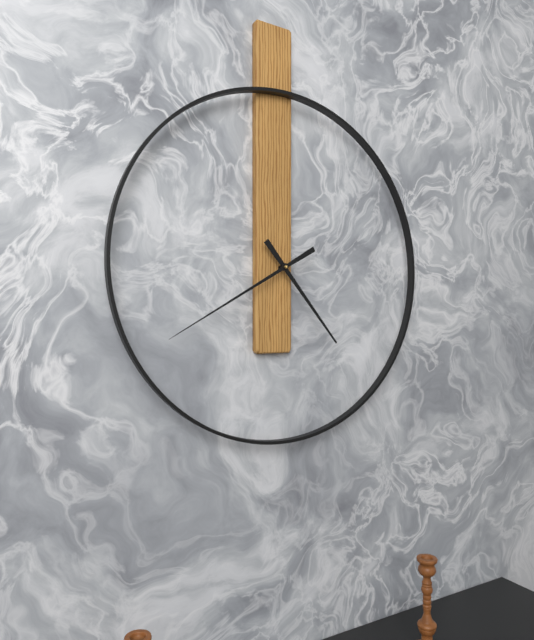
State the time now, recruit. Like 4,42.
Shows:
4,40
